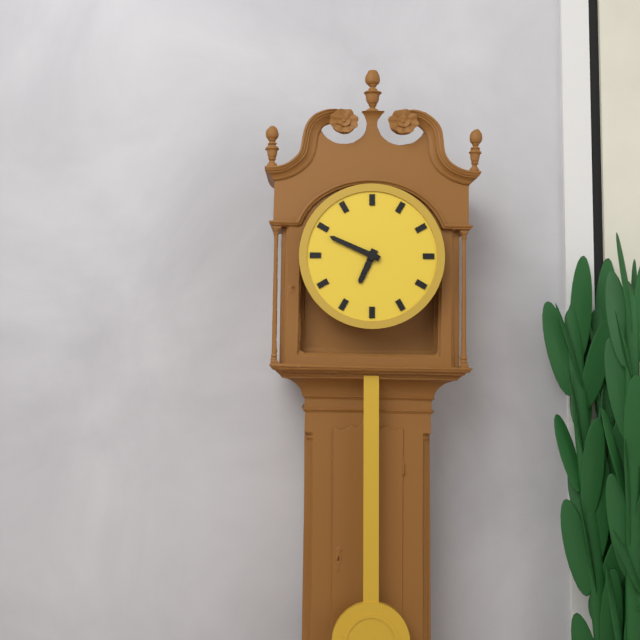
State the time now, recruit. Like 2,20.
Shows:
6,49
